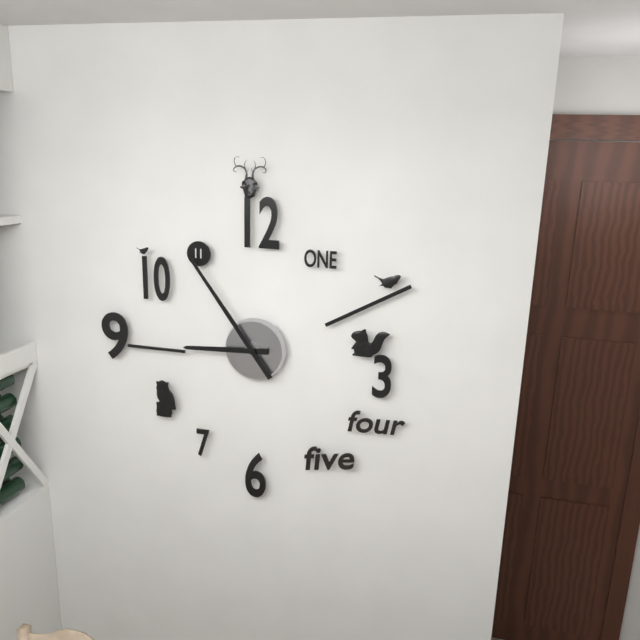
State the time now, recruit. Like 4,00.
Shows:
8,54
